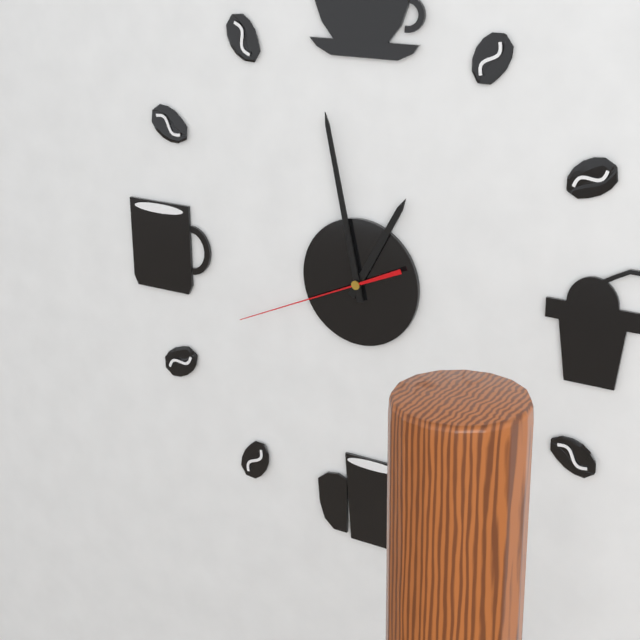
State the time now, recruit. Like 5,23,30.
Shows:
12,58,41
